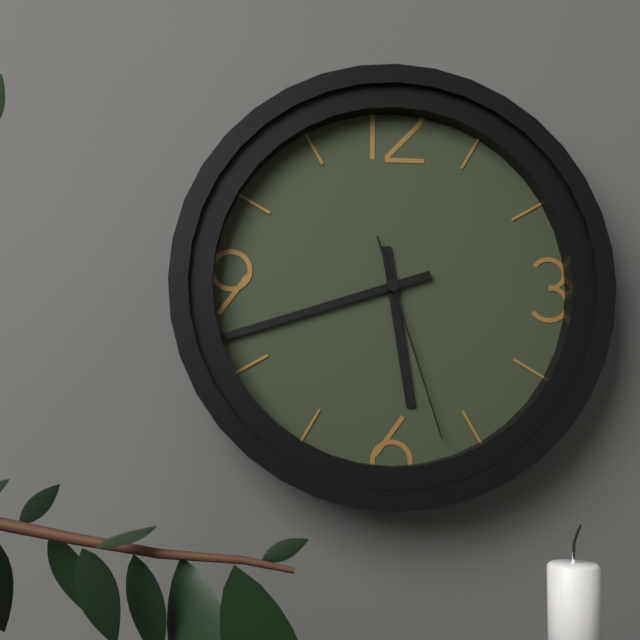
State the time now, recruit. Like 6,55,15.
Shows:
5,42,27
